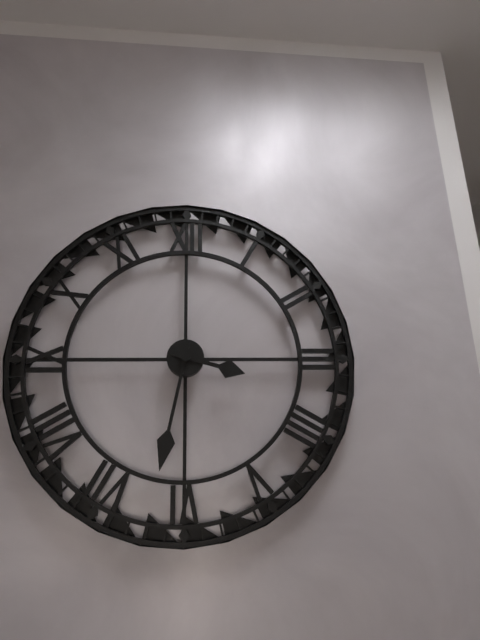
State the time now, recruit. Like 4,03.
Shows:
3,32
